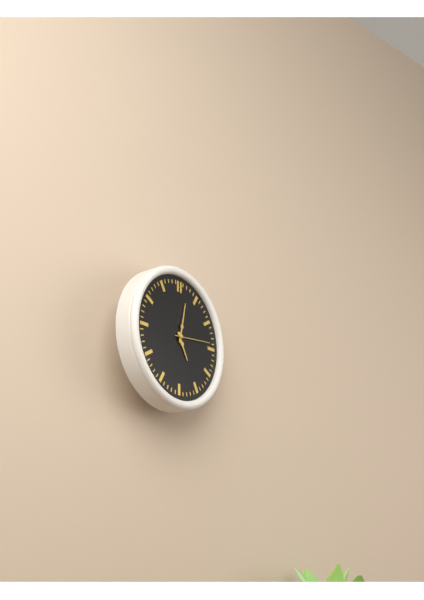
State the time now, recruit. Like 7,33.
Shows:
5,02
